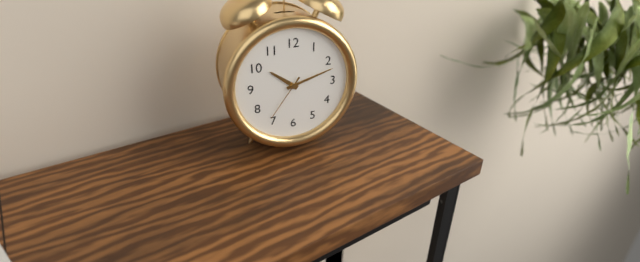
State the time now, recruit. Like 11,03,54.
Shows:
10,12,36
